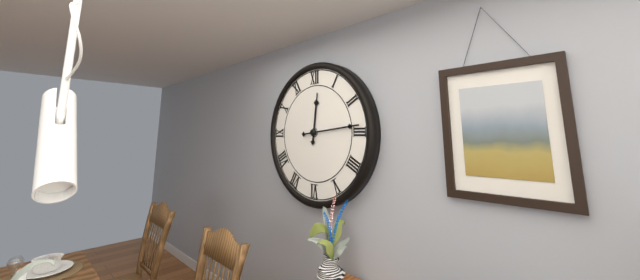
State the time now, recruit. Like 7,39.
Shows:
12,14
